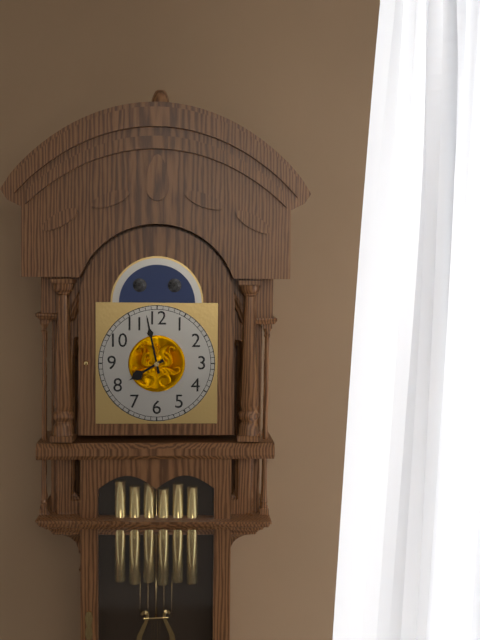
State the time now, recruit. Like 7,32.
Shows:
7,58
